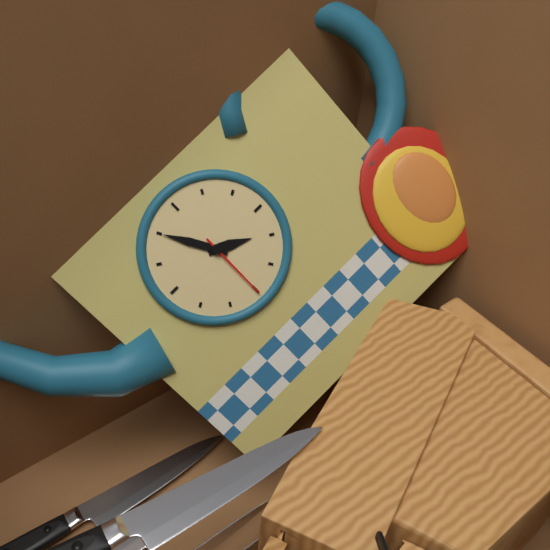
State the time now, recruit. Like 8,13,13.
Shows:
3,55,30
